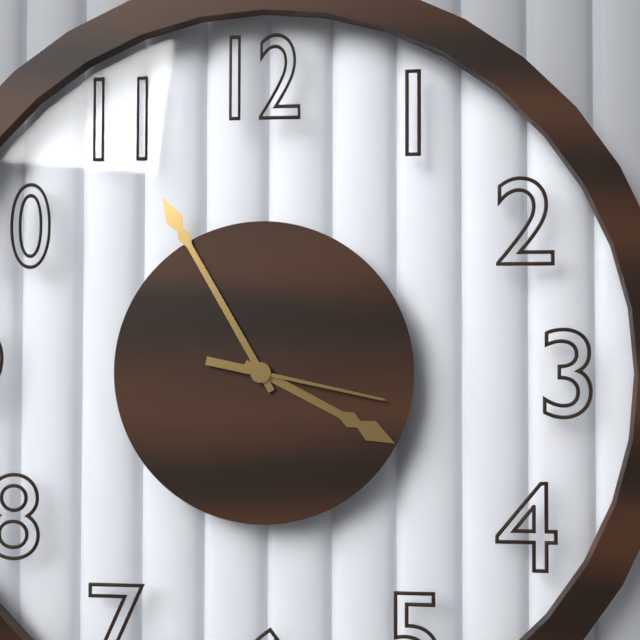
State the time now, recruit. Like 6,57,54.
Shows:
3,55,17
